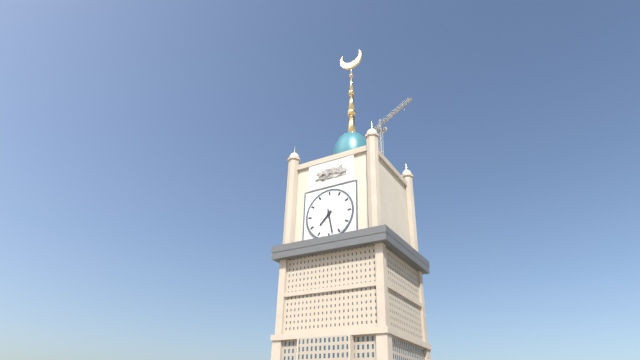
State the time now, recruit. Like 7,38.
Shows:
7,28
